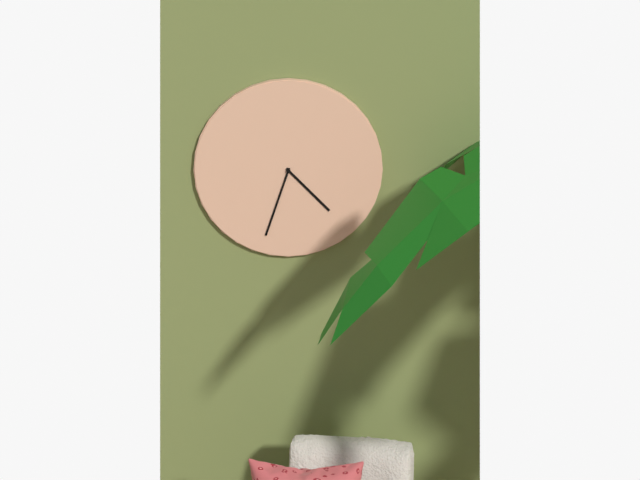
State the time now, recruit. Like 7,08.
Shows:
4,33
